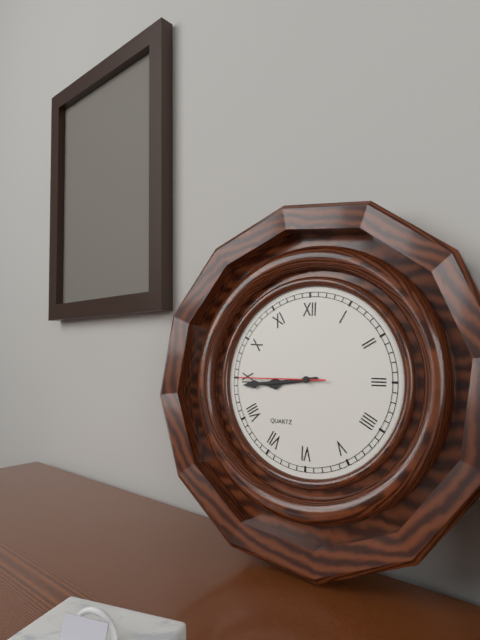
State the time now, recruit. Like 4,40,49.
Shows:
8,44,45
